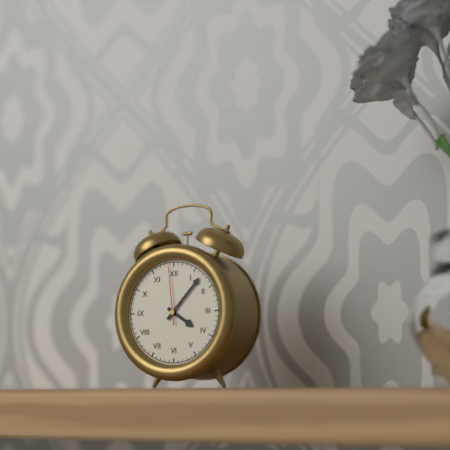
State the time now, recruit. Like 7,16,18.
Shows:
4,07,59
